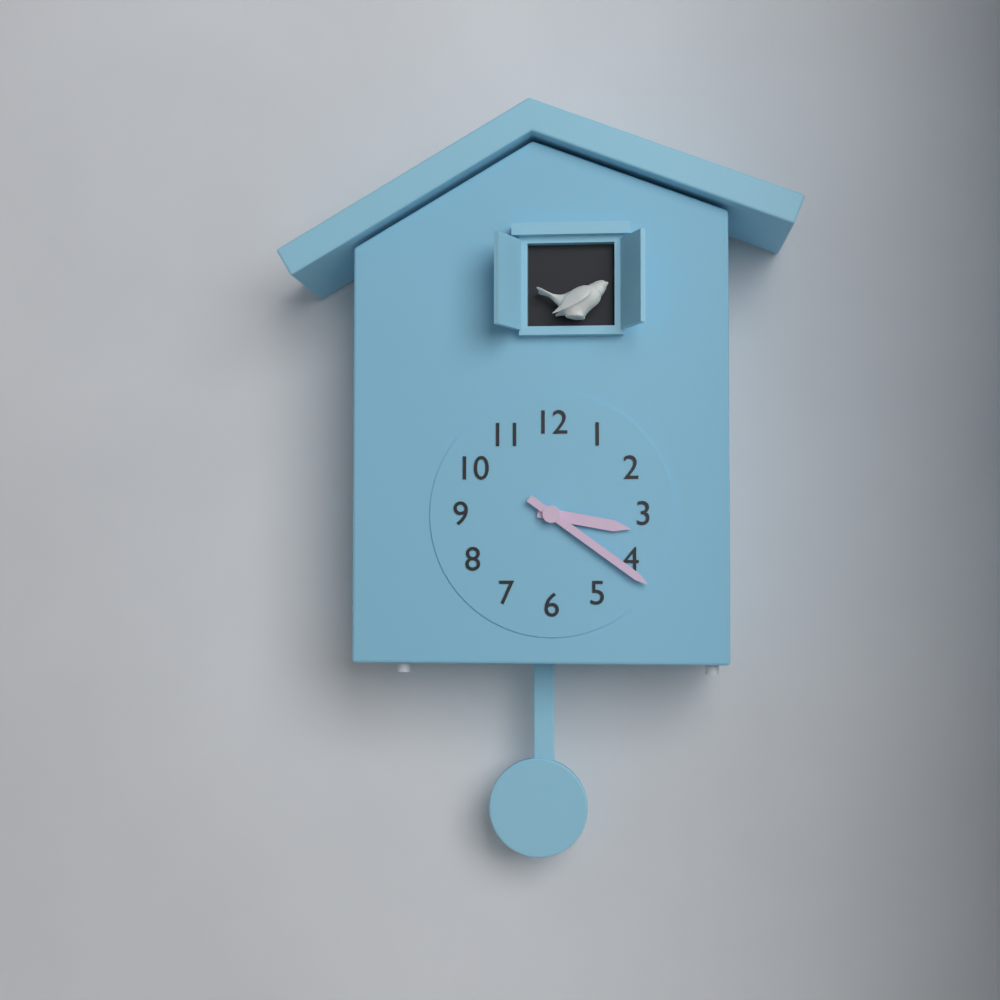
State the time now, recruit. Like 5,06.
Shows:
3,21
